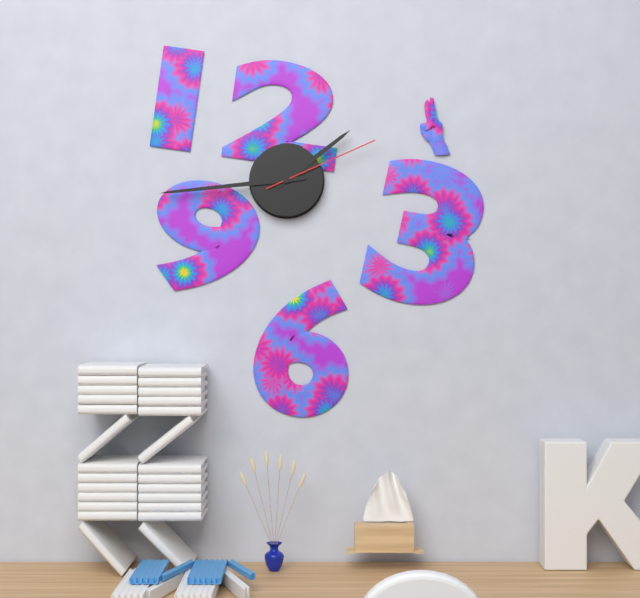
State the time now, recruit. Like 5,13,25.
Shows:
1,44,11
